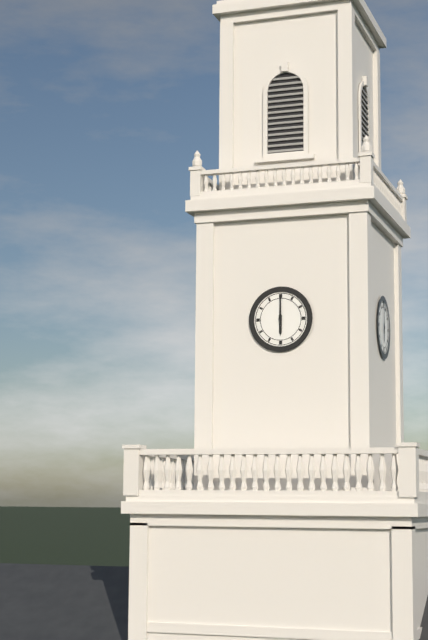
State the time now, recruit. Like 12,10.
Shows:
6,00
